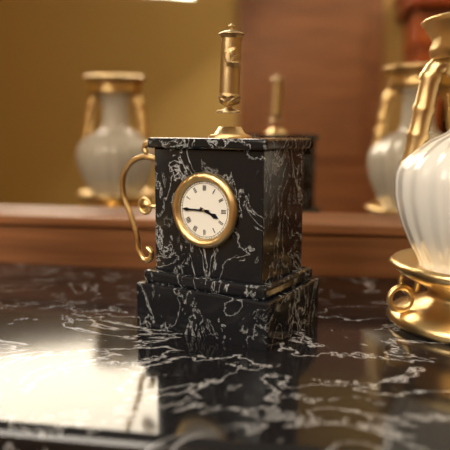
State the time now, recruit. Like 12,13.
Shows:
3,45
